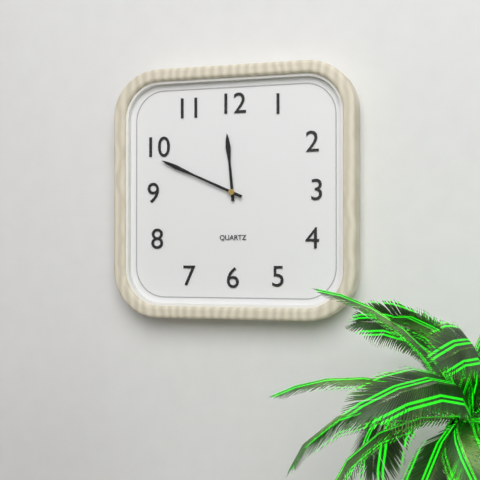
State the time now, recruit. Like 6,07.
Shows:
11,49
